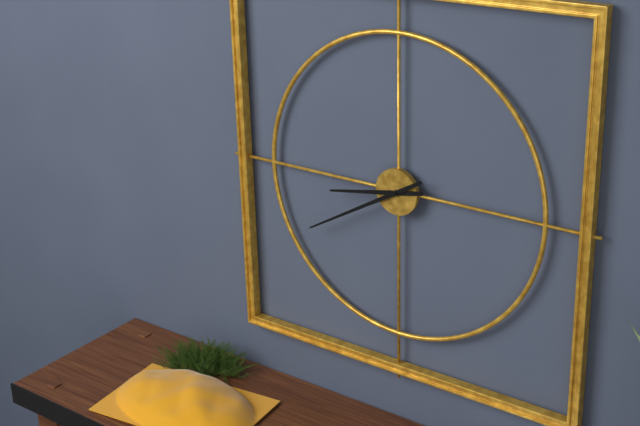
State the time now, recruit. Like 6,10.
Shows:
8,40
